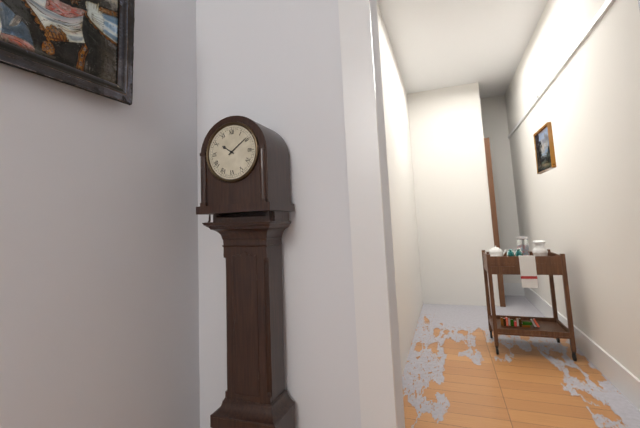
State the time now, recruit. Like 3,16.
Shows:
10,09
